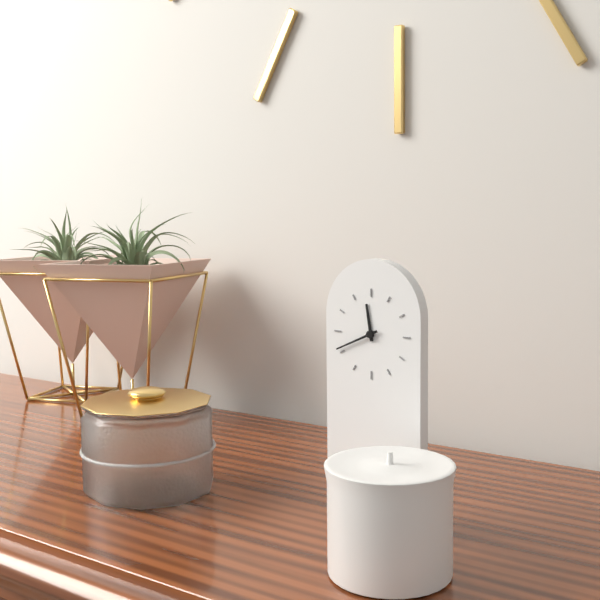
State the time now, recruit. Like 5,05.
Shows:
11,41
